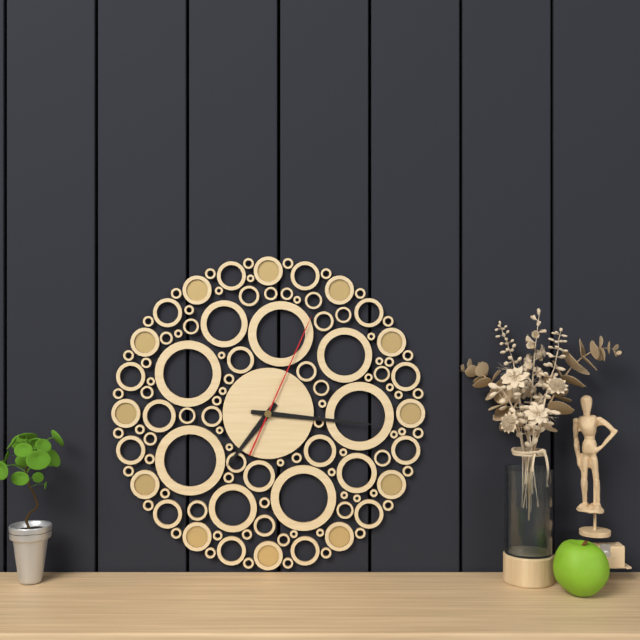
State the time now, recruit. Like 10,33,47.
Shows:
7,16,04
